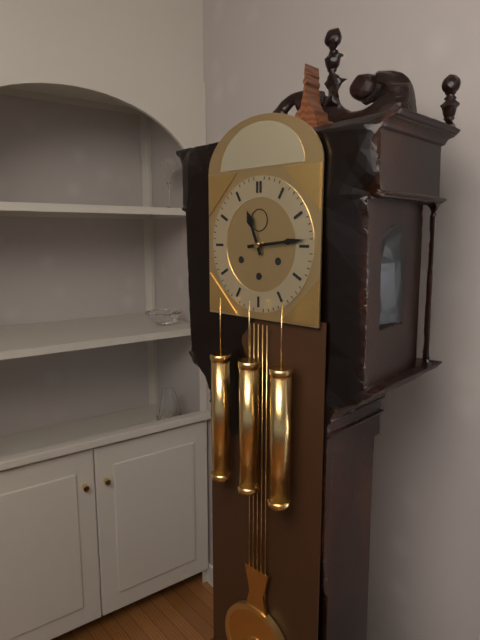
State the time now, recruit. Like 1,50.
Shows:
11,14
